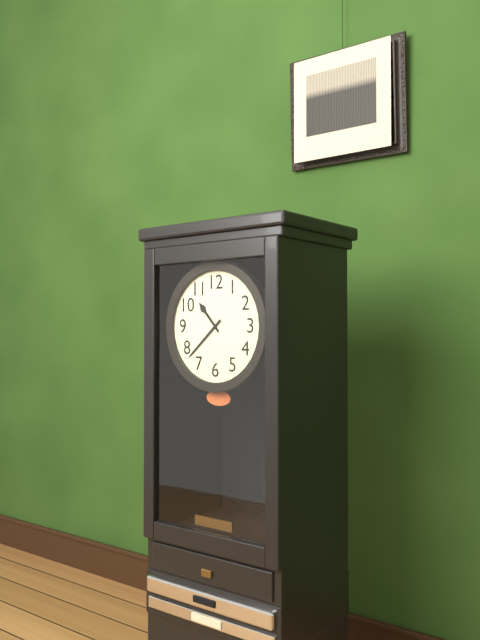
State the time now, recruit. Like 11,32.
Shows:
10,38
